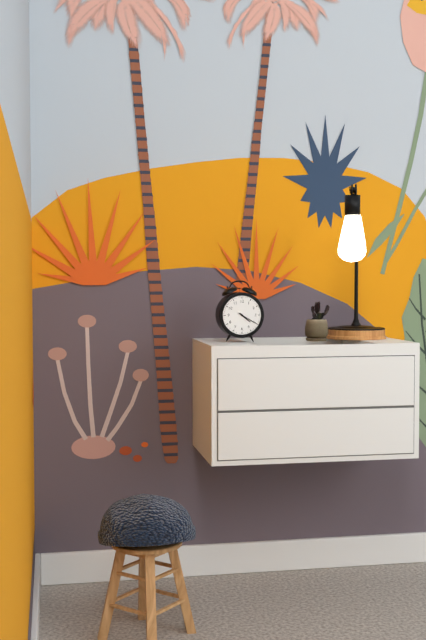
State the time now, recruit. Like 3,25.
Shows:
4,20
